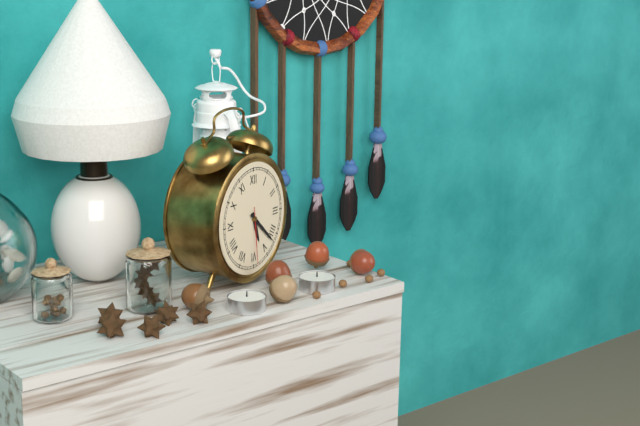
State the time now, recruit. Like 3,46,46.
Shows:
5,22,29
